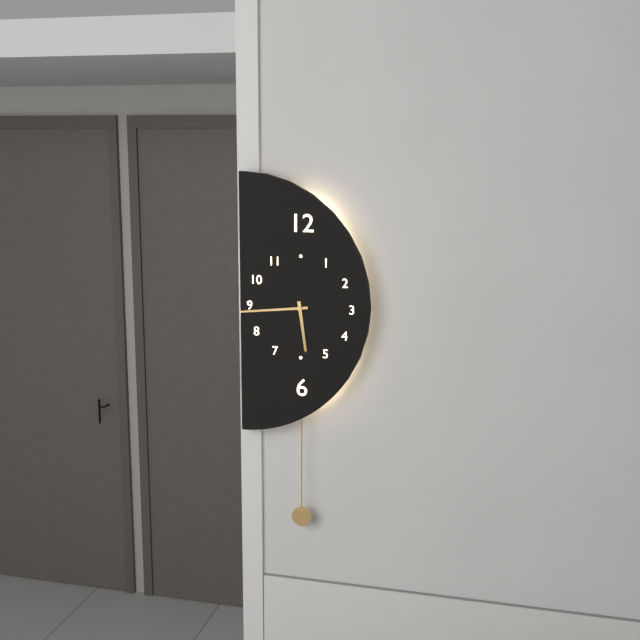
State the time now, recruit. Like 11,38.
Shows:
5,44
